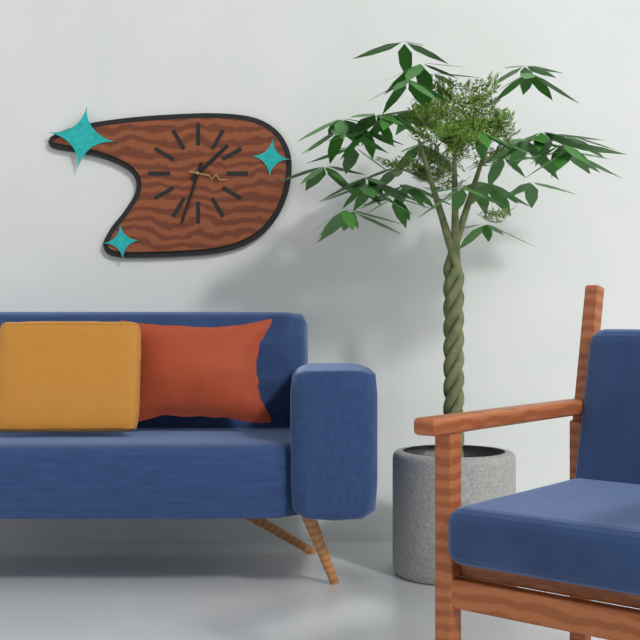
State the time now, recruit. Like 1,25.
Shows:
1,33
